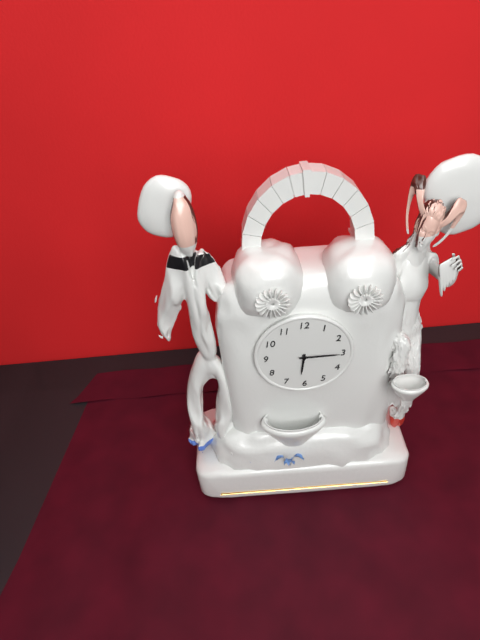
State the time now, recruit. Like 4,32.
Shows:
6,15
